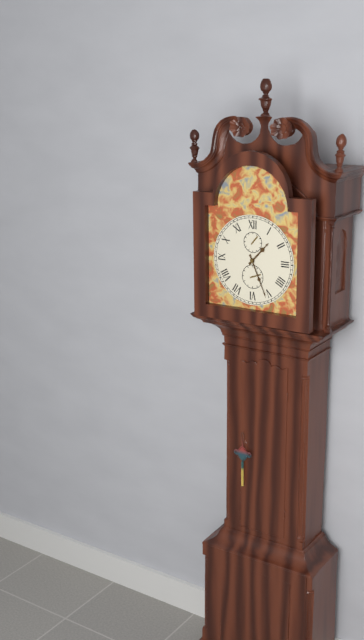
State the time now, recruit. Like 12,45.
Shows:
1,26
